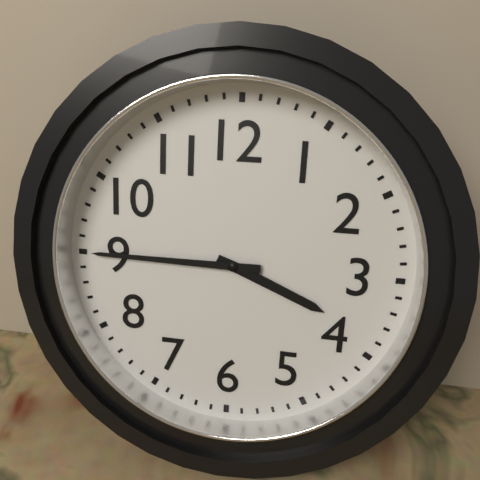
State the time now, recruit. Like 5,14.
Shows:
3,45
